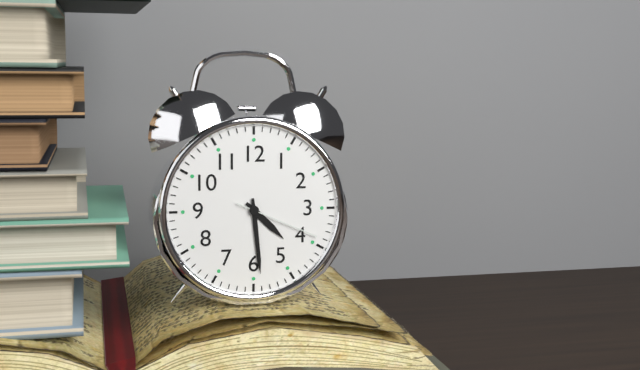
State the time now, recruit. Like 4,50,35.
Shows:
4,29,19
